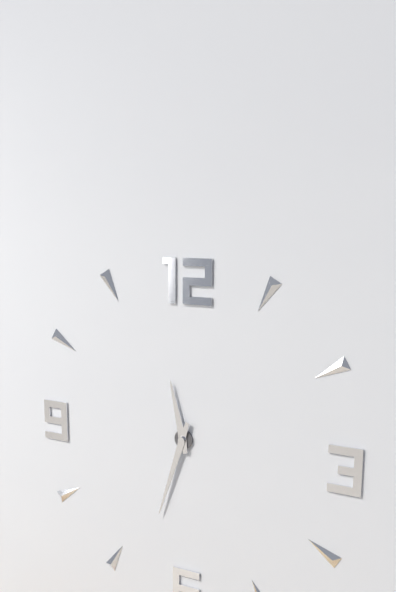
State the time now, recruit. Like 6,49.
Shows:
11,33
